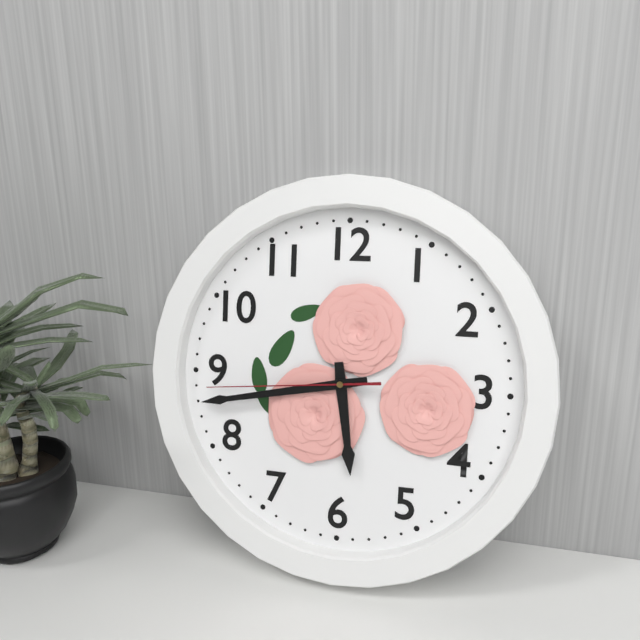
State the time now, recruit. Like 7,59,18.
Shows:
5,43,44
